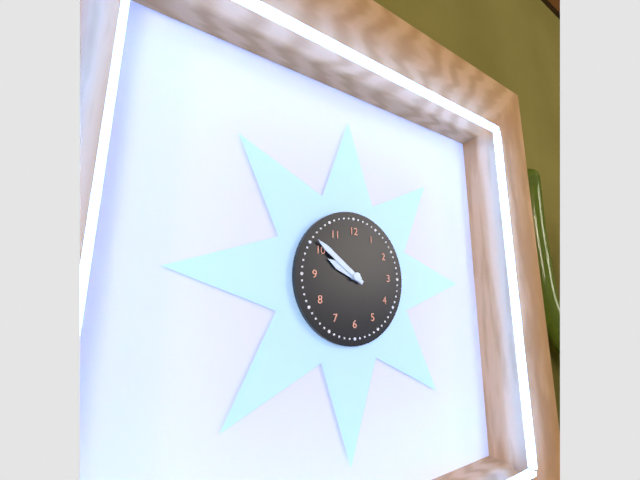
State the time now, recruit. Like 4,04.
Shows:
9,51
